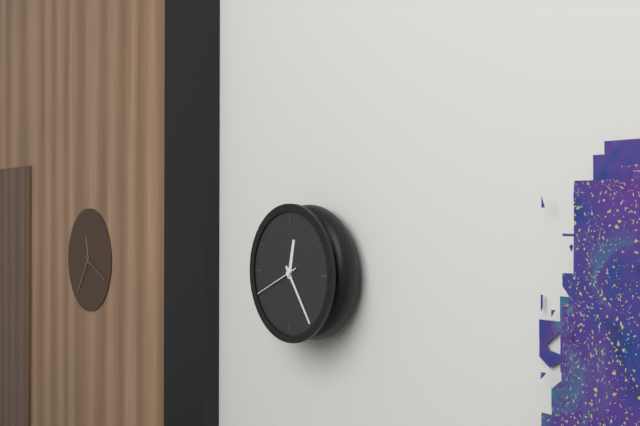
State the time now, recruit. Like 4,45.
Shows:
12,24
